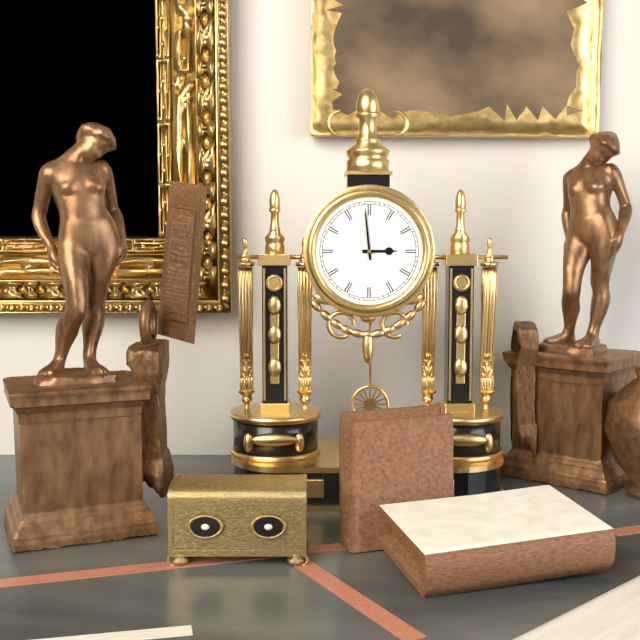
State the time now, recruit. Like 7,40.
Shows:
2,59
